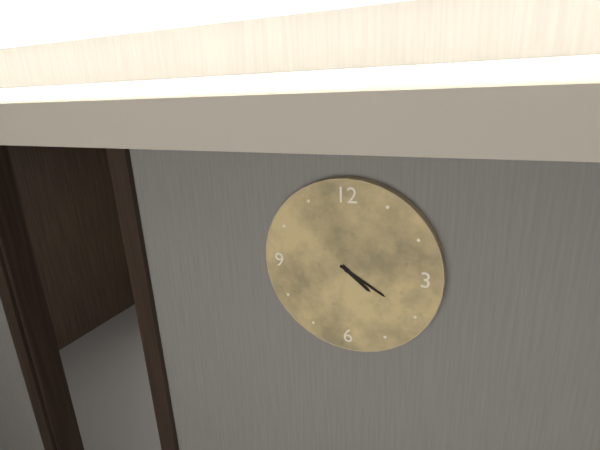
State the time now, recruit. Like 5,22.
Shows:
4,20
